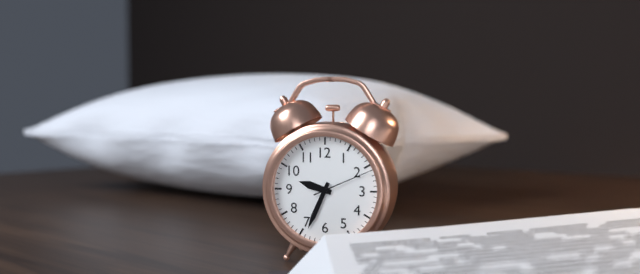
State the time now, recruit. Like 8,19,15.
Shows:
9,34,11
